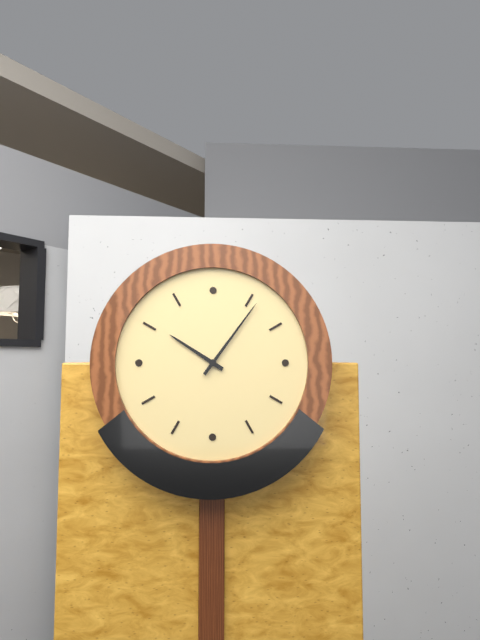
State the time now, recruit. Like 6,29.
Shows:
10,06
